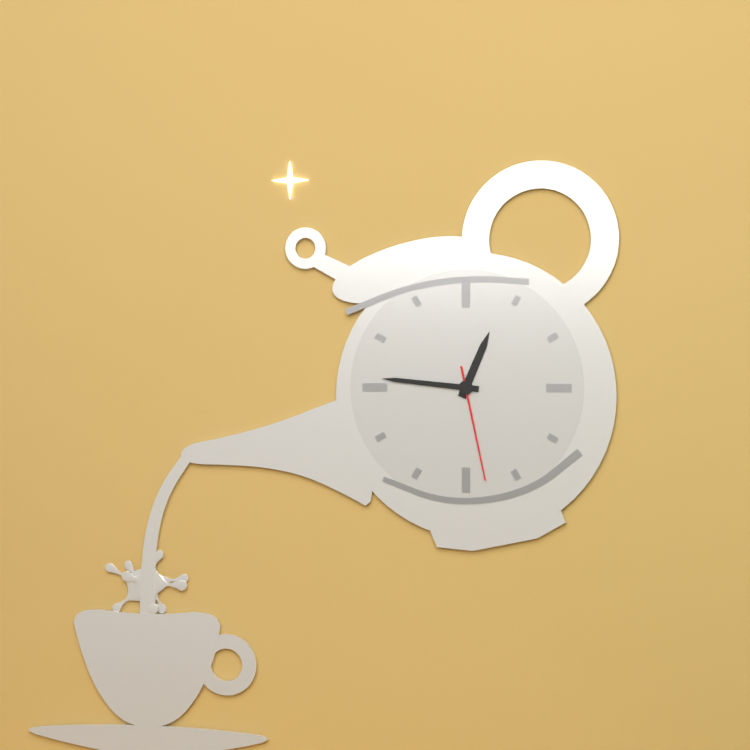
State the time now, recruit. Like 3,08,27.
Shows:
12,46,28
